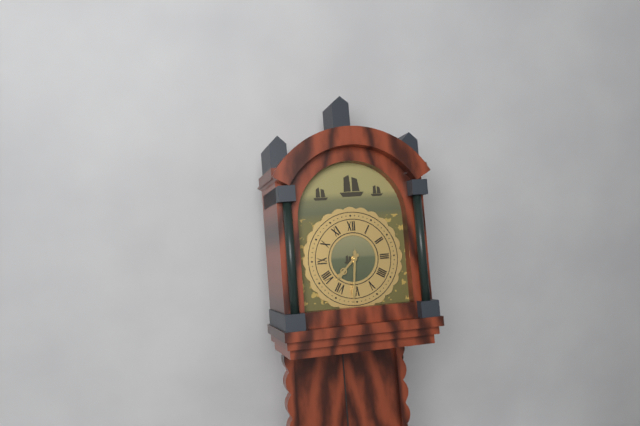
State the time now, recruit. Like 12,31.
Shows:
7,31
